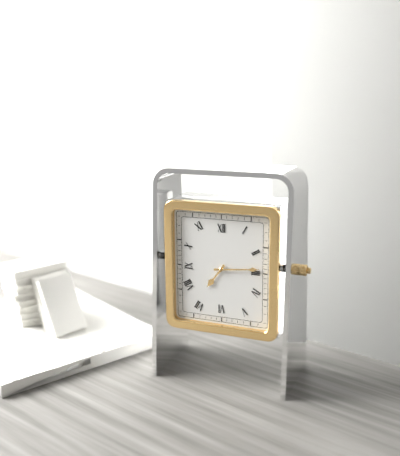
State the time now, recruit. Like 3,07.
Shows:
7,14
